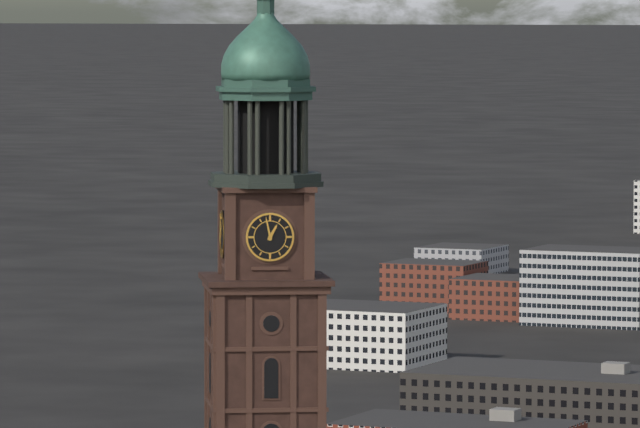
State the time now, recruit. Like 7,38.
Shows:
12,58
